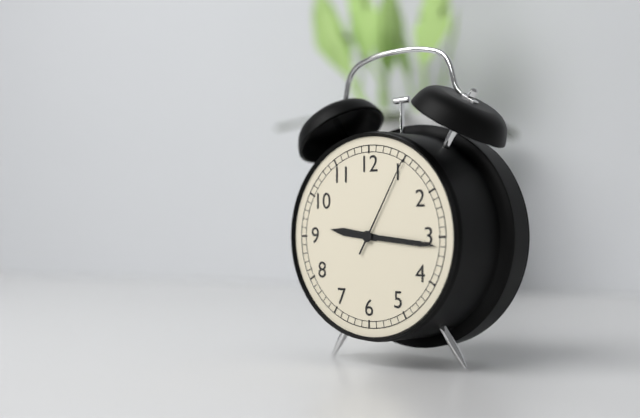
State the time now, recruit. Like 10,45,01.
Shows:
9,16,05
